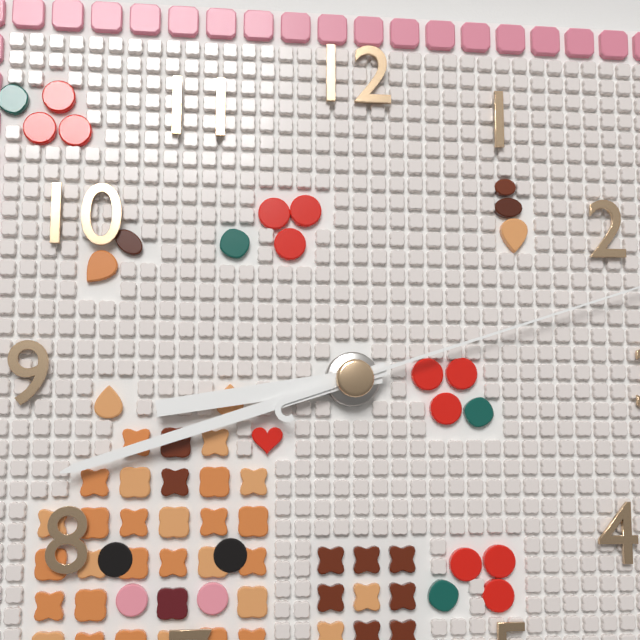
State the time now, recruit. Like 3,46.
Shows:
8,42
